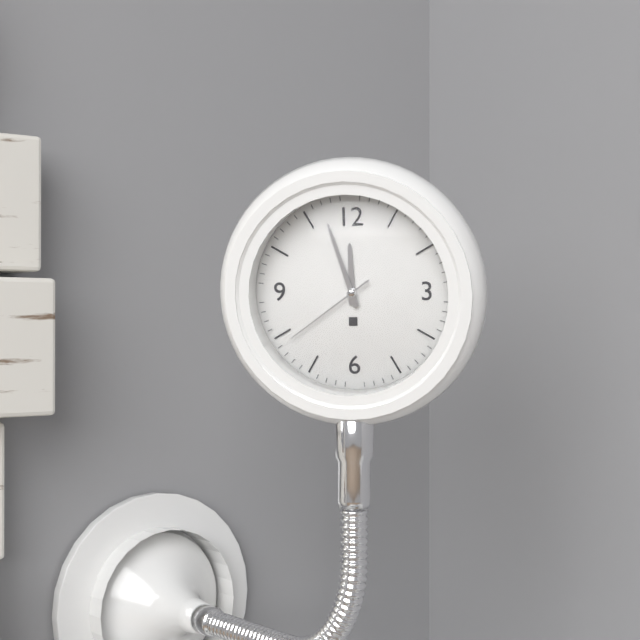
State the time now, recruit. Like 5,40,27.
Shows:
11,57,39
